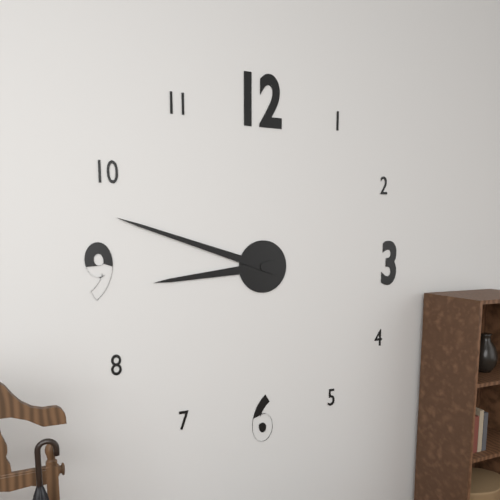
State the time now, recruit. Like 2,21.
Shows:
8,48
